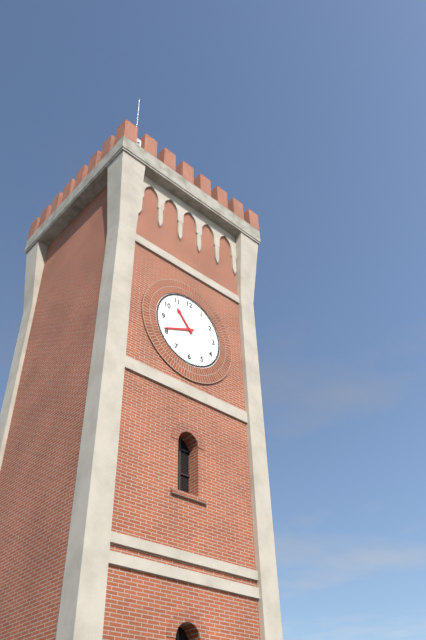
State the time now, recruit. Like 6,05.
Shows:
10,41
